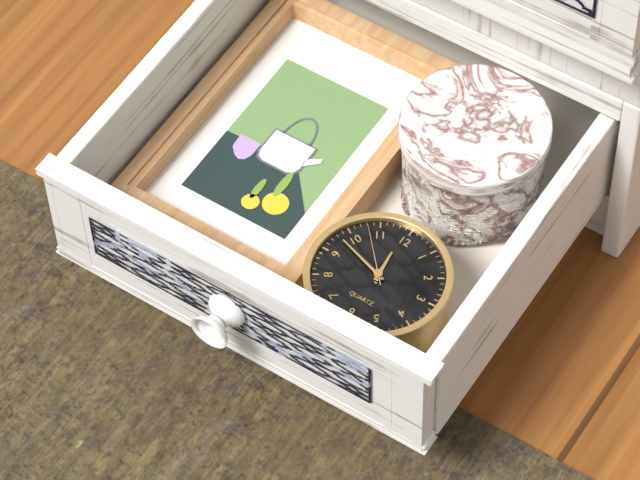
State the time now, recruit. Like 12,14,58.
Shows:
11,48,53
